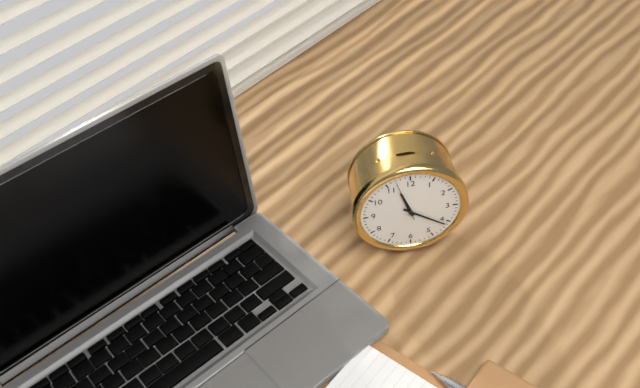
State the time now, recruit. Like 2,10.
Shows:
11,21
